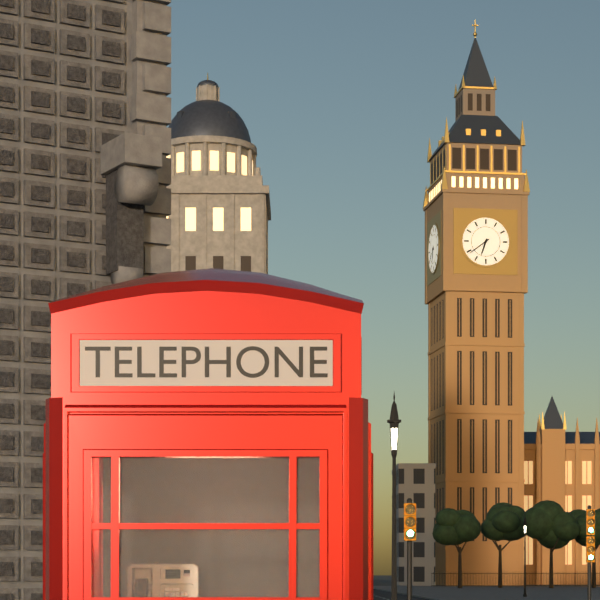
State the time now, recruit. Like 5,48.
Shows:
6,39
